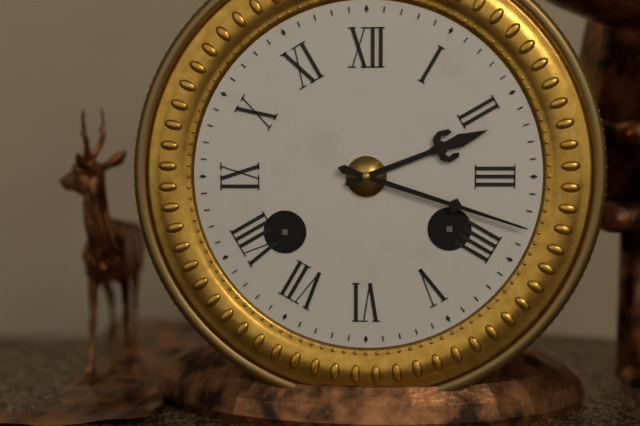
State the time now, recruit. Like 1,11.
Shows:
2,18
